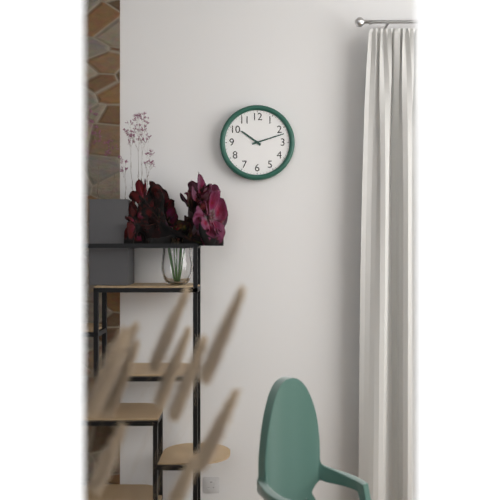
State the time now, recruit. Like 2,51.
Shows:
10,12
